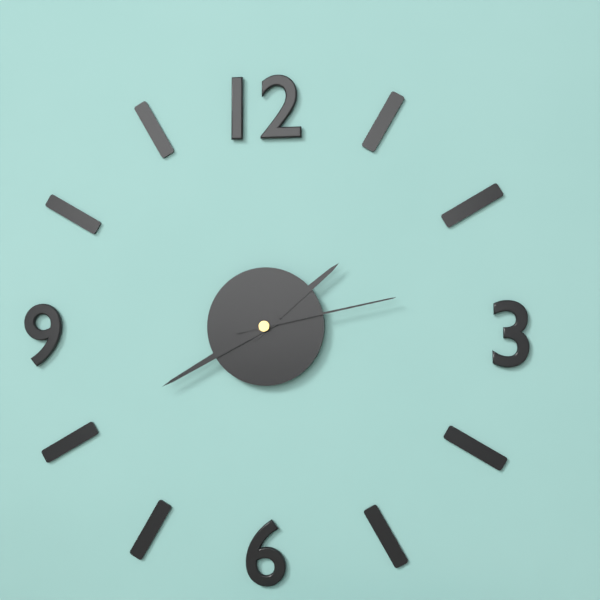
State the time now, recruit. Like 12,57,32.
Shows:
1,40,13
